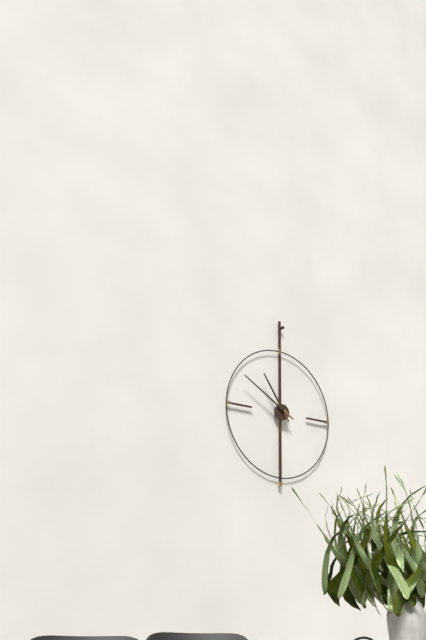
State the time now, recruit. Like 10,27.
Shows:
10,50
